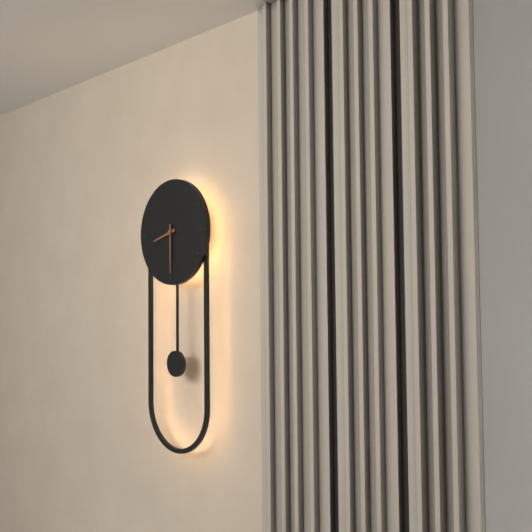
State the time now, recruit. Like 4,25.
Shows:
8,30
